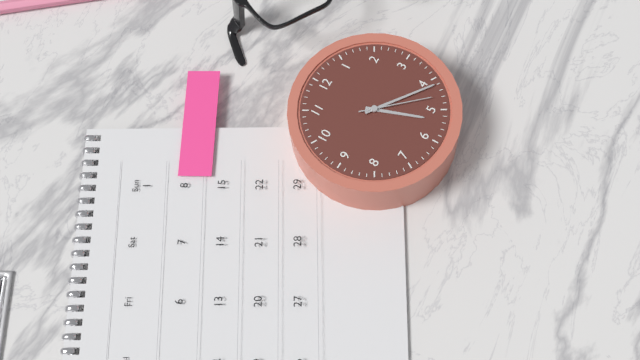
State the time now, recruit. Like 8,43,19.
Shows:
5,21,23
